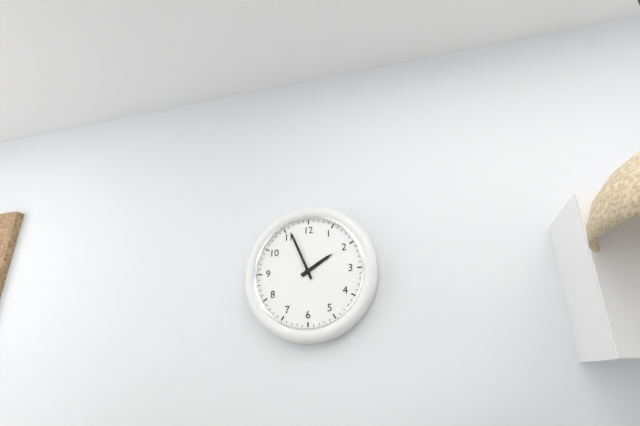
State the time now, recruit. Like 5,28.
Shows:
1,56
